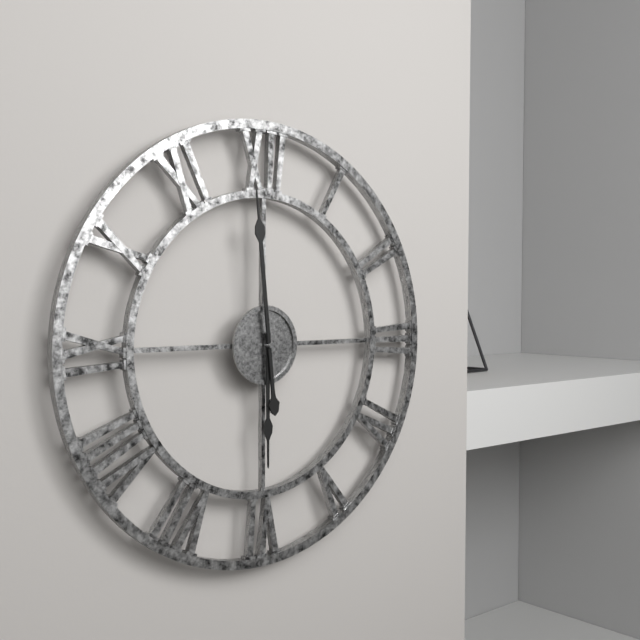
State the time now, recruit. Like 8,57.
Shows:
5,59
